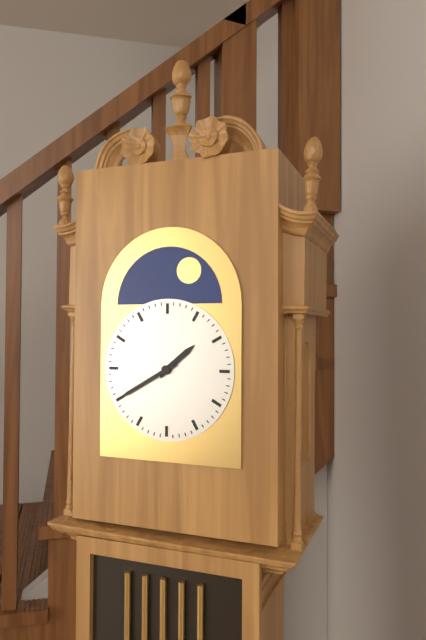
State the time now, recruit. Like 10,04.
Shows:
1,40
